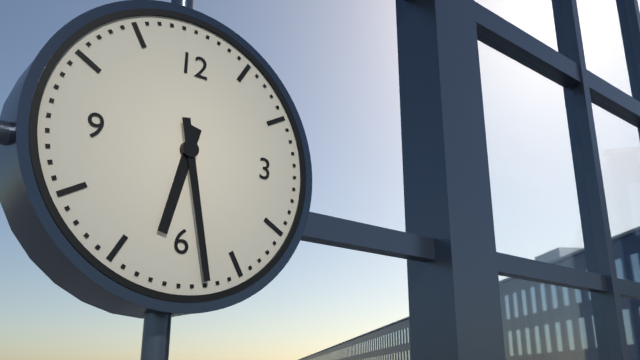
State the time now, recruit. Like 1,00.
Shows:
6,28
